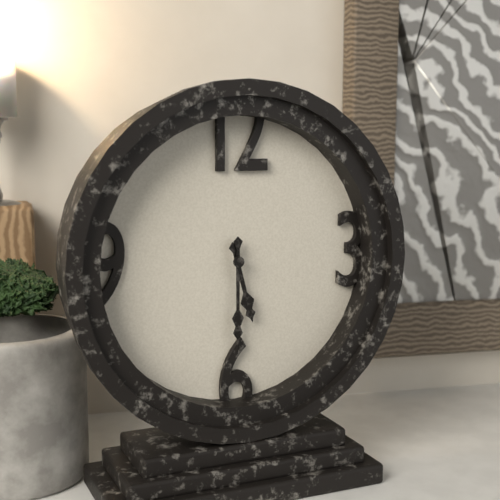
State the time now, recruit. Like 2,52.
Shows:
5,30
